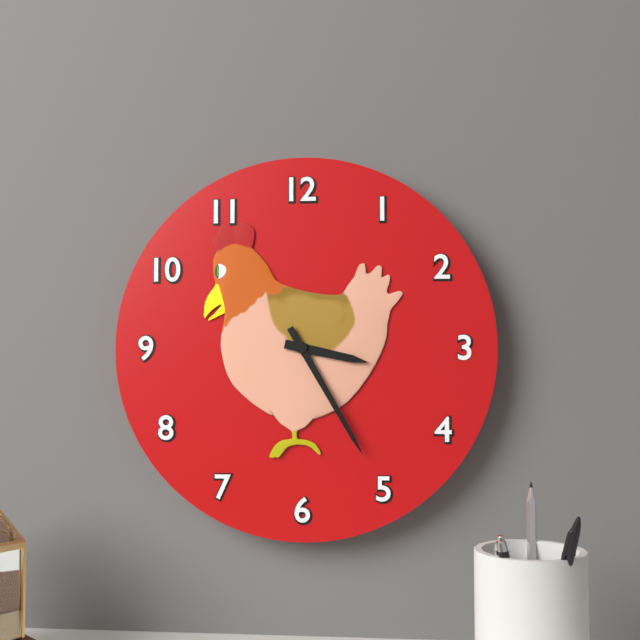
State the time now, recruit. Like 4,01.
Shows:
3,25
